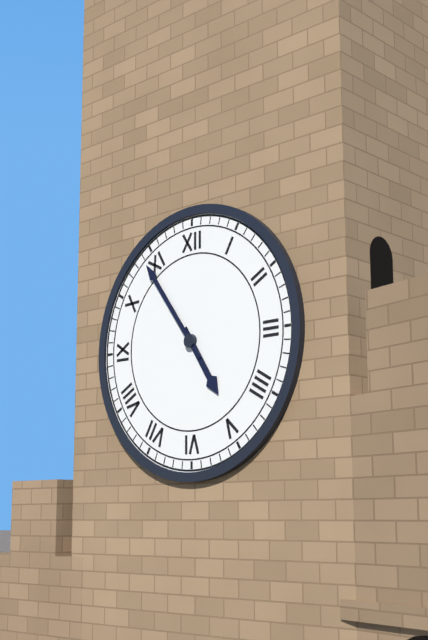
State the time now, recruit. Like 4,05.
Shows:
4,54
